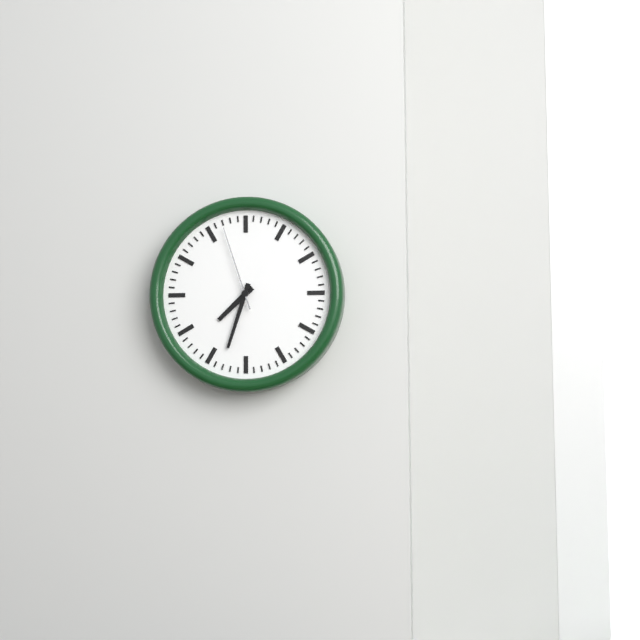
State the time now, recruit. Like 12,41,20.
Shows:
7,33,57
